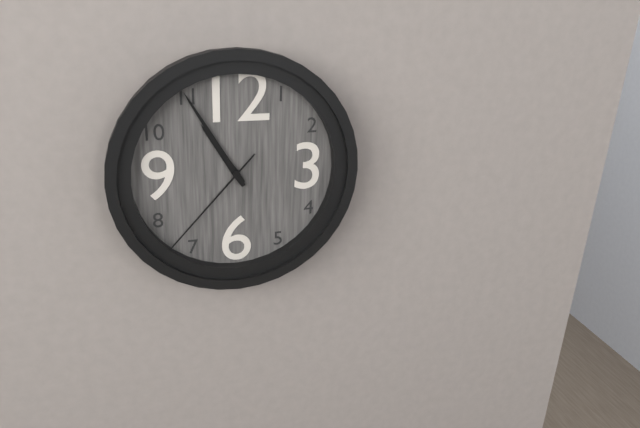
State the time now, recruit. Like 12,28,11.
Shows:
10,55,37
